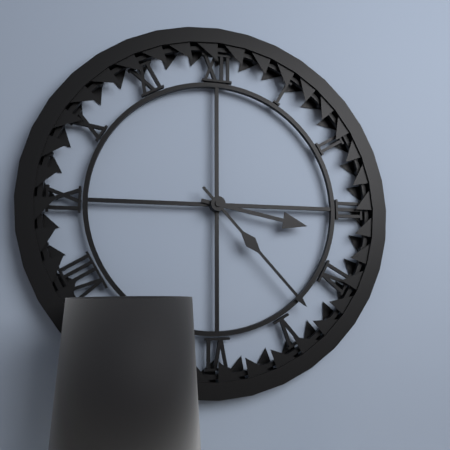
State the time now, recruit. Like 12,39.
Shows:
3,23
